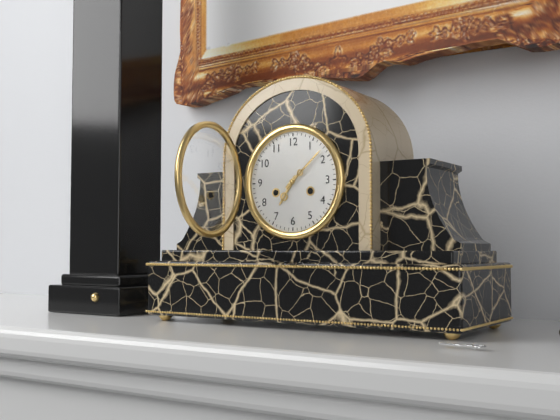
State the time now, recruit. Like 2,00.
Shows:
7,08
